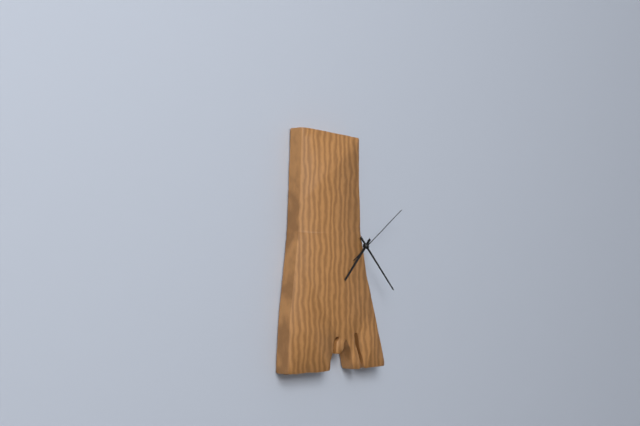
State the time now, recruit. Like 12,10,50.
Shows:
7,23,09
